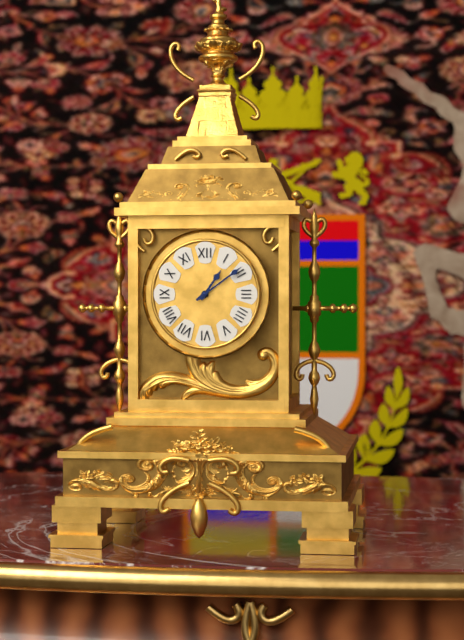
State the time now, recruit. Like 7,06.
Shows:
1,09
